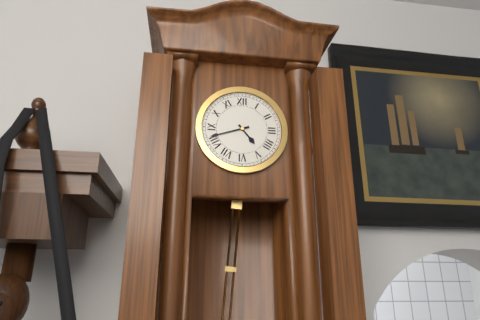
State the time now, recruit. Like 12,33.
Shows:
4,42
